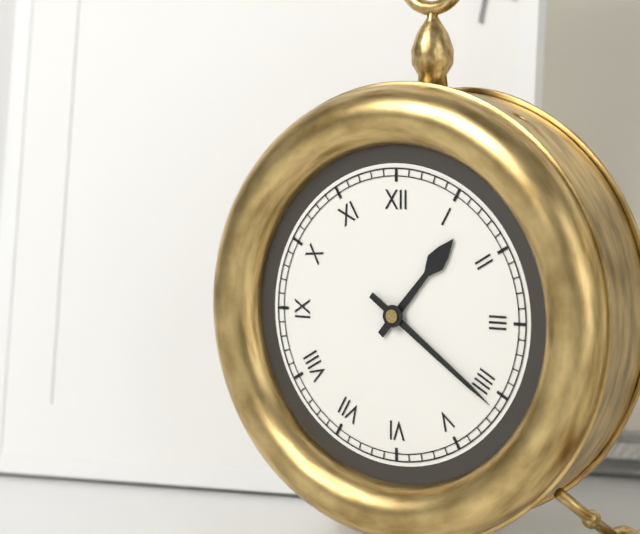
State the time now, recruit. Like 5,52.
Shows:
1,21
